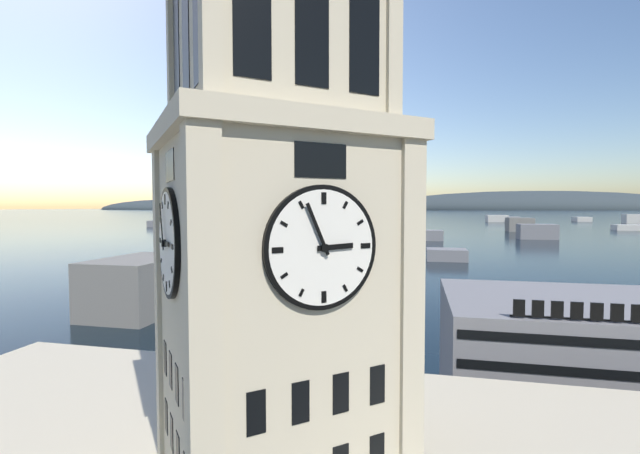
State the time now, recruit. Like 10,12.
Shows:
2,56
